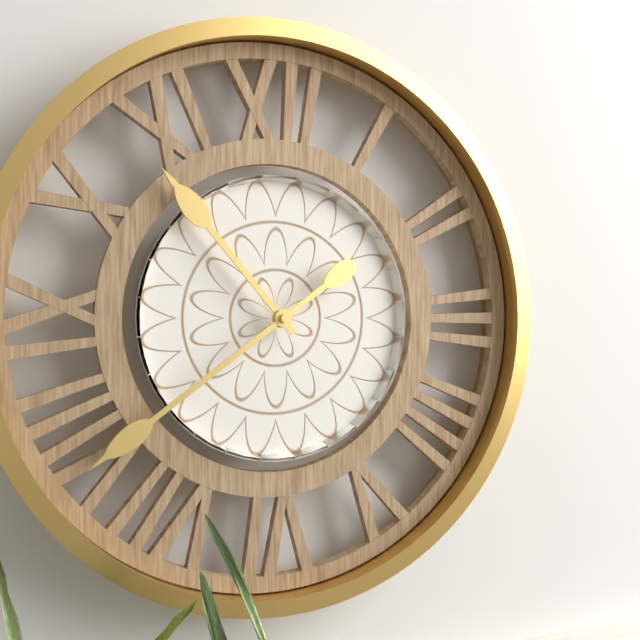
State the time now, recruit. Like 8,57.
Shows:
10,39
